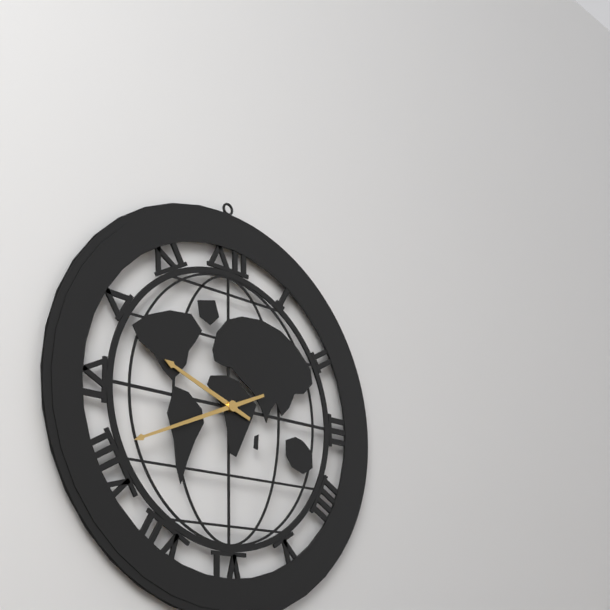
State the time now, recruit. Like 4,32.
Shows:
9,41
